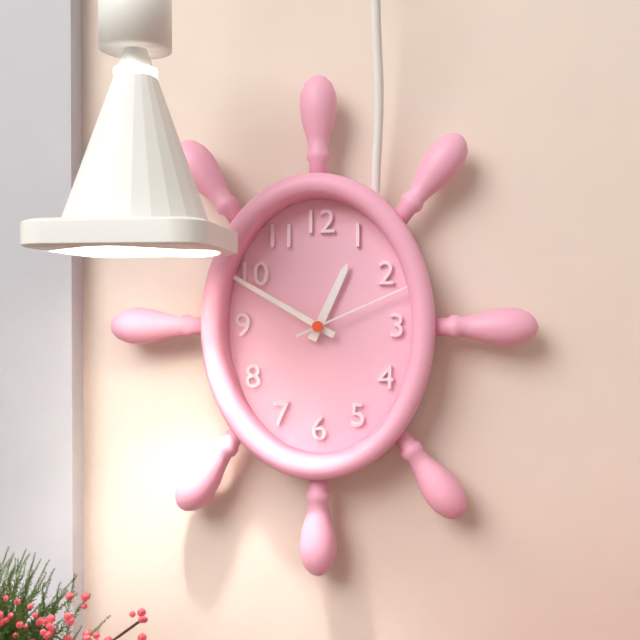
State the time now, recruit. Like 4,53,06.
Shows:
12,50,11
